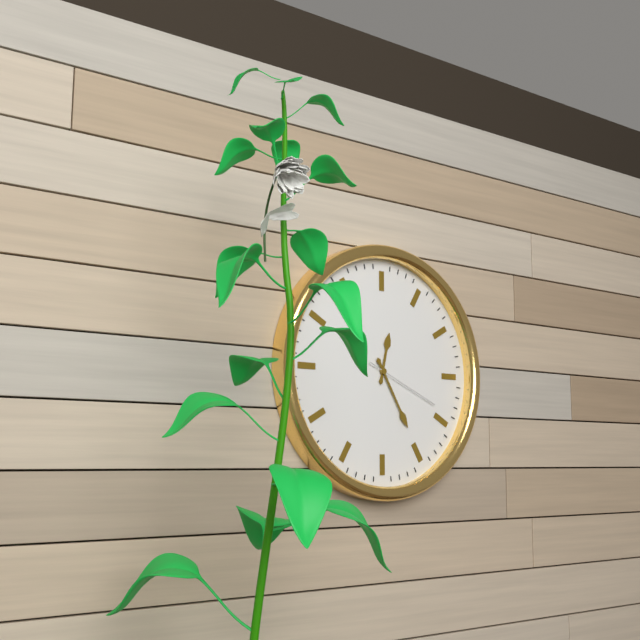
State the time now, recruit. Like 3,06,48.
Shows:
12,25,19
